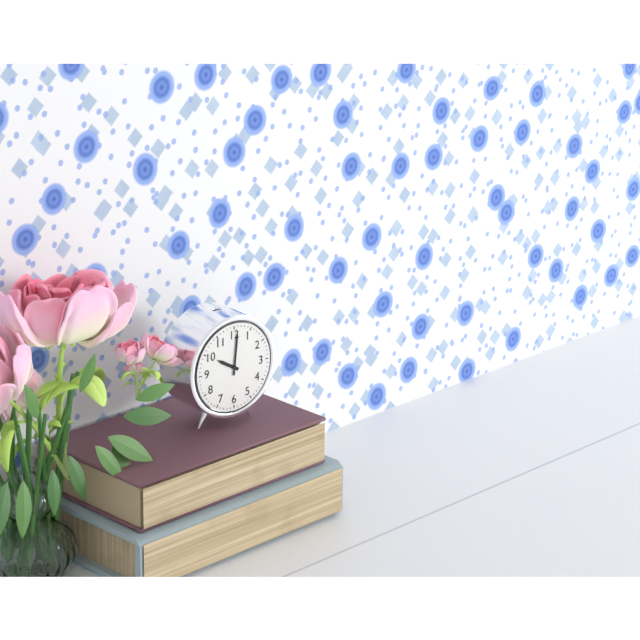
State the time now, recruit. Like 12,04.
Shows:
10,01
